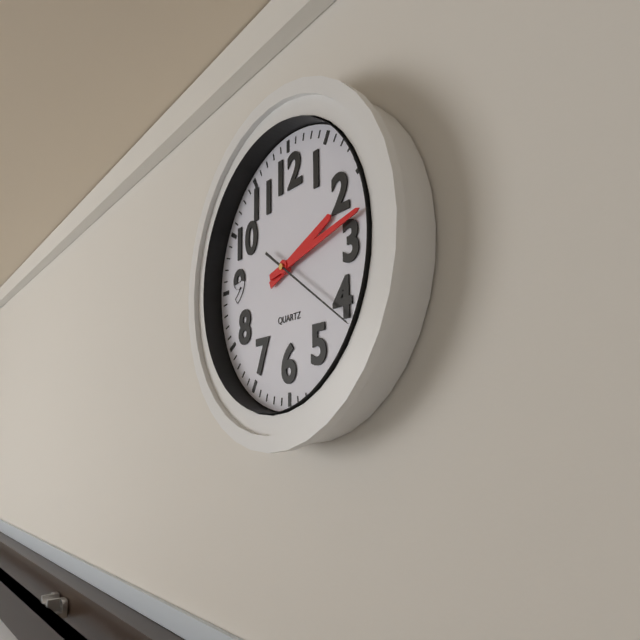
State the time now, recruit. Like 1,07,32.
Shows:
2,13,21
